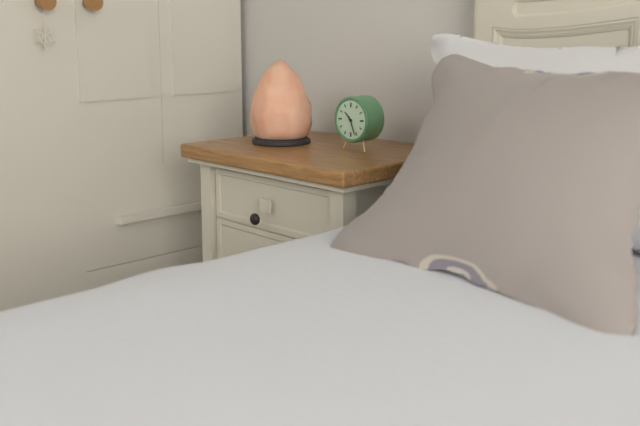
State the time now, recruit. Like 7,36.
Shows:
10,26
